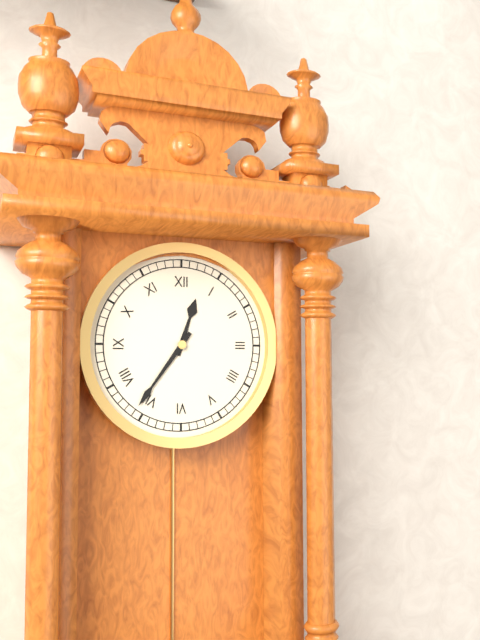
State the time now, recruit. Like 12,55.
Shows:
12,36
